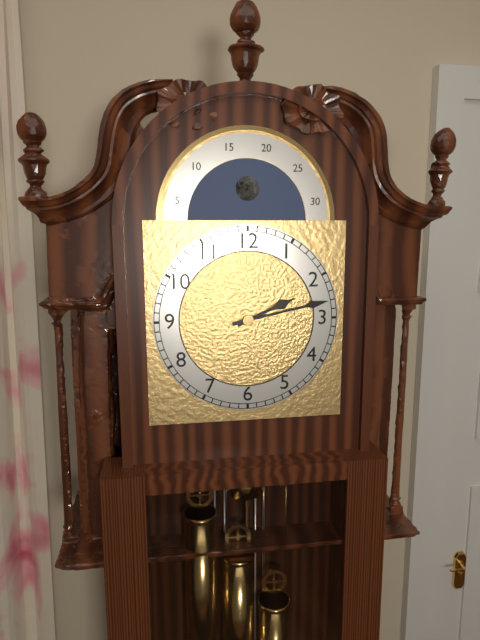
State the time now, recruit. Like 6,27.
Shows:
2,13
